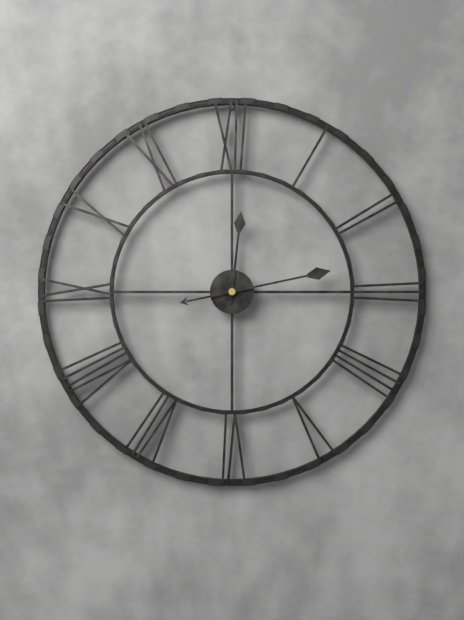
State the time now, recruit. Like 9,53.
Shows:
12,13
